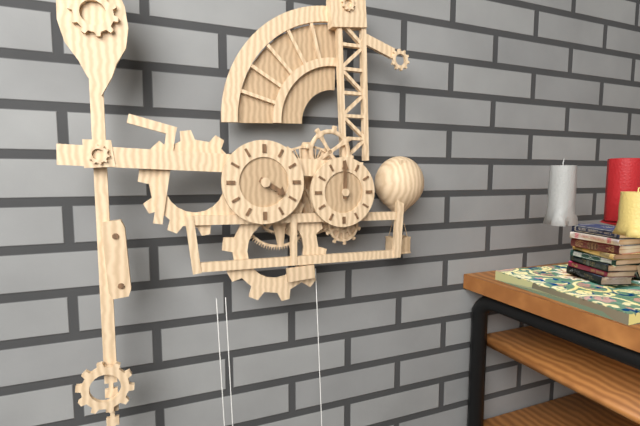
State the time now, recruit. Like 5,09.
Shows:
4,00
